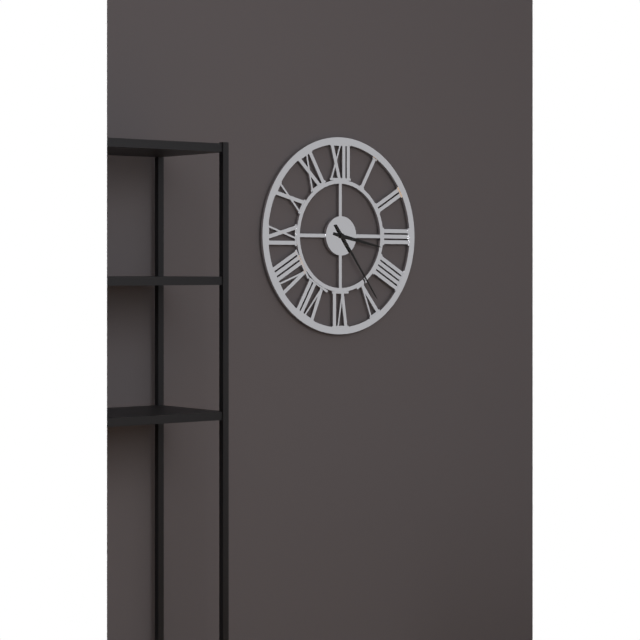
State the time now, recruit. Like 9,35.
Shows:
3,24
